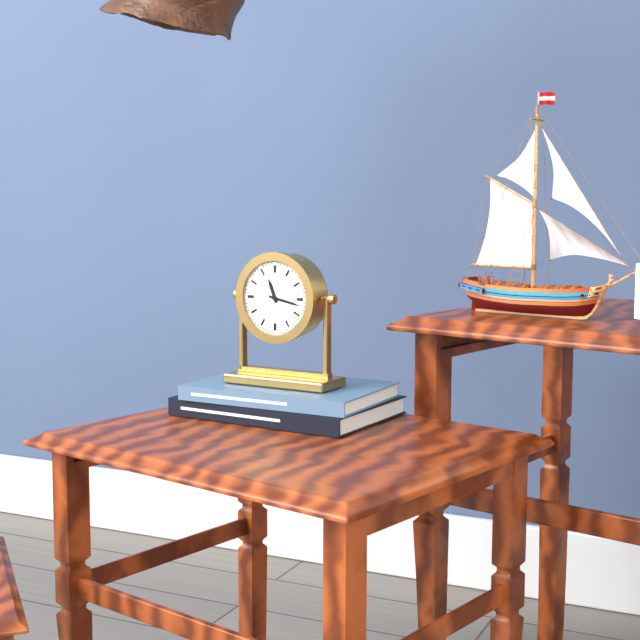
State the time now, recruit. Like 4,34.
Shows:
11,17
